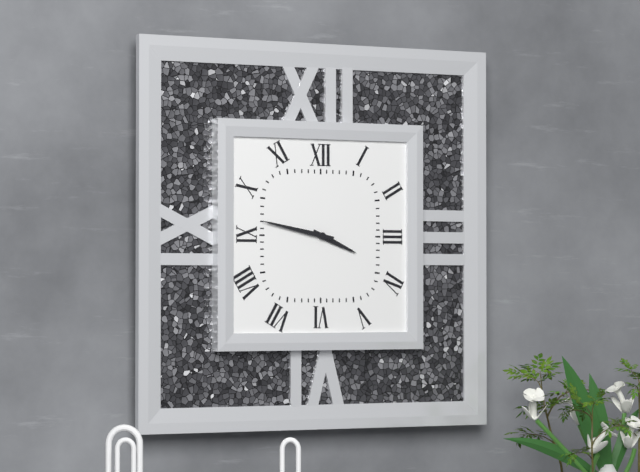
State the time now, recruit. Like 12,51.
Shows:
3,47
